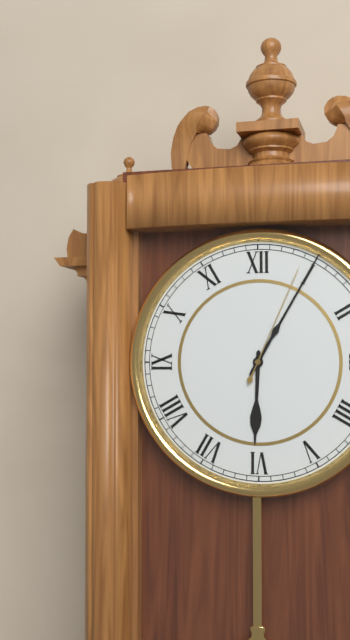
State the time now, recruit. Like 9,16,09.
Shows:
6,05,04
